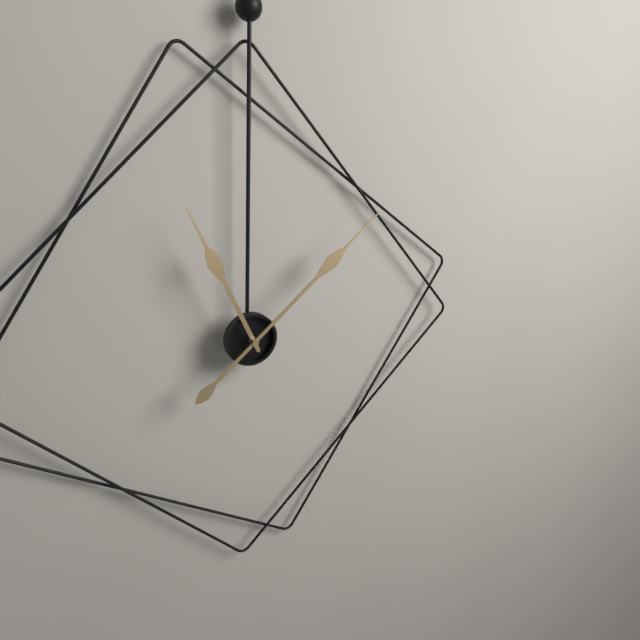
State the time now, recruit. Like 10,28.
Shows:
11,08
